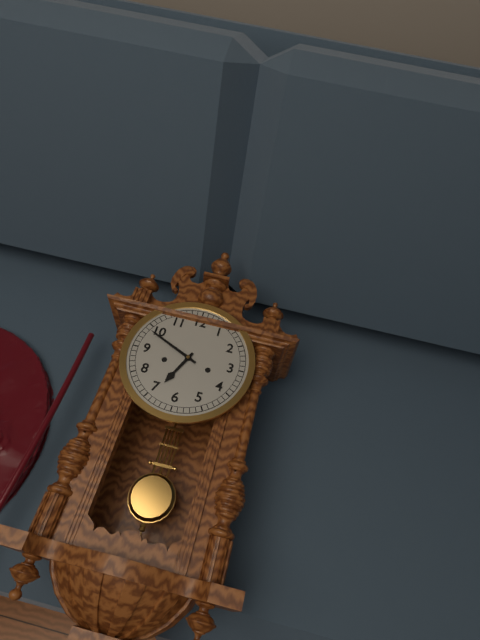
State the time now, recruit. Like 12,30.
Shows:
6,49
